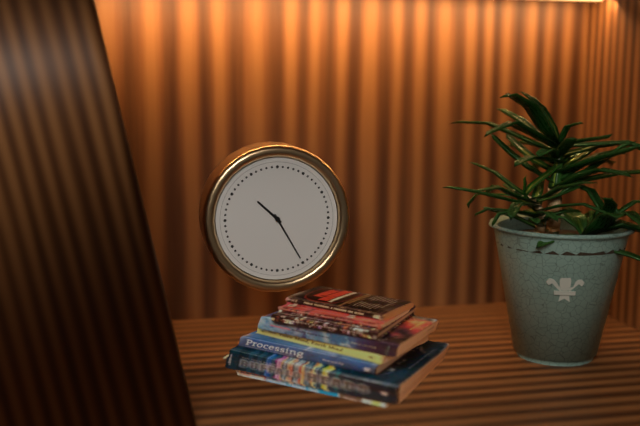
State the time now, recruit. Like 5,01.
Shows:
10,25
